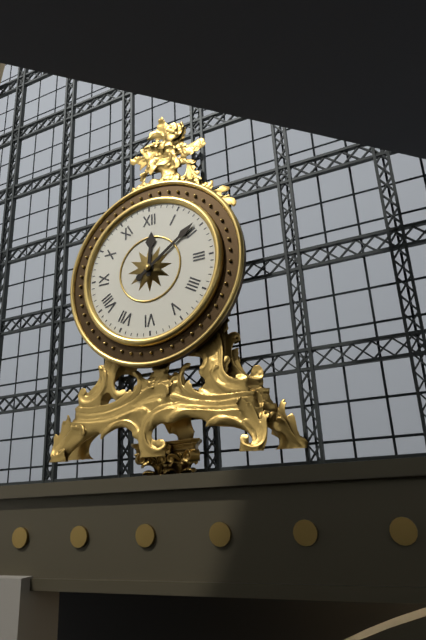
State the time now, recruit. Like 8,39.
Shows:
12,09
